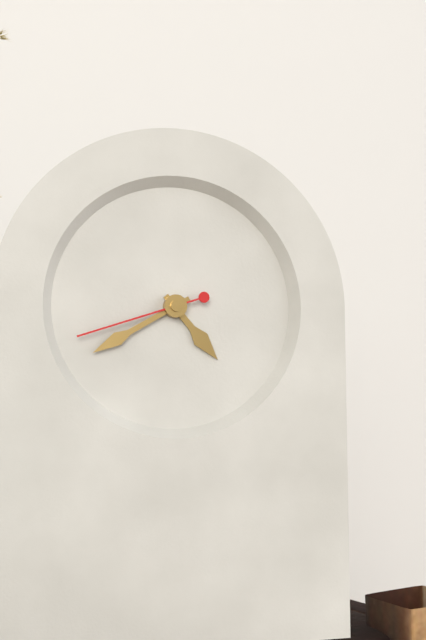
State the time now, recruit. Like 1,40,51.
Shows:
4,40,42
